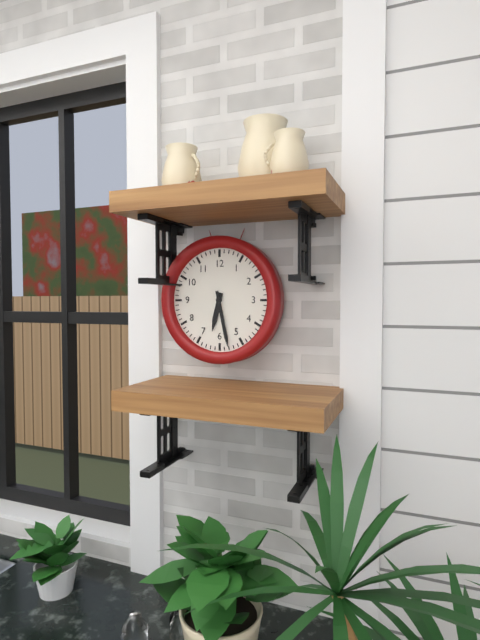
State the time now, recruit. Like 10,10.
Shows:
6,28
